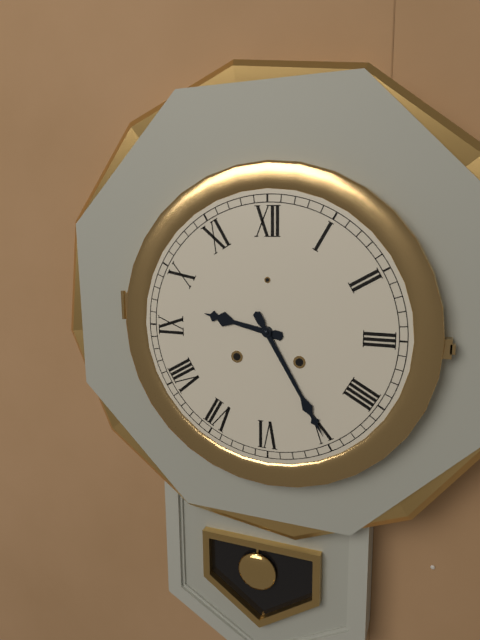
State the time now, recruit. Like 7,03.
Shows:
9,25
